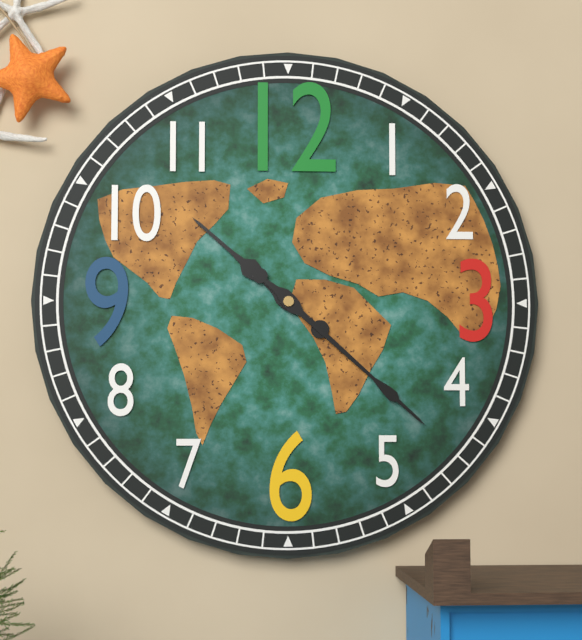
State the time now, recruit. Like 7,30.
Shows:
10,22
